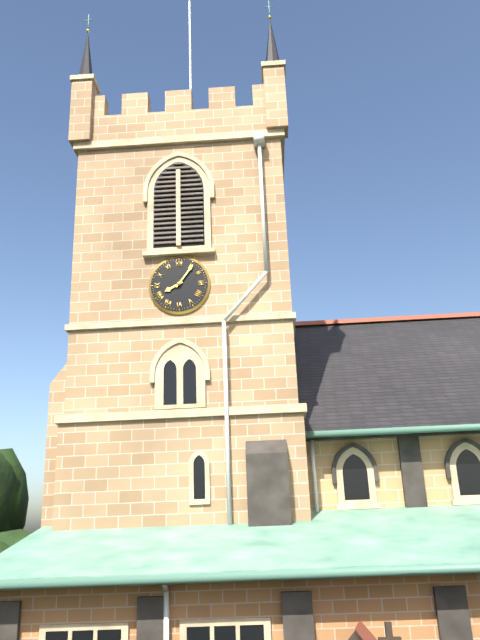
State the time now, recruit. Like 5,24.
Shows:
8,06
